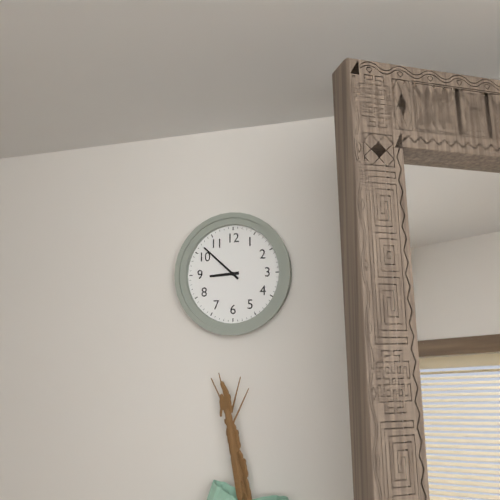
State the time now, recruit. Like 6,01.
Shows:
8,52
